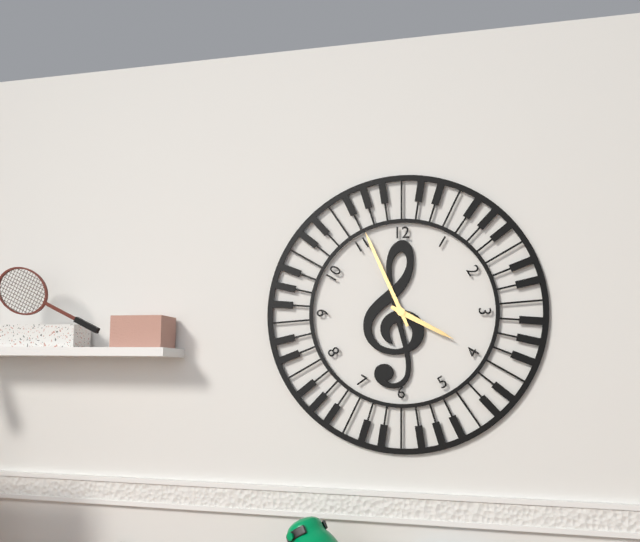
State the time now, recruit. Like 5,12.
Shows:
3,56
